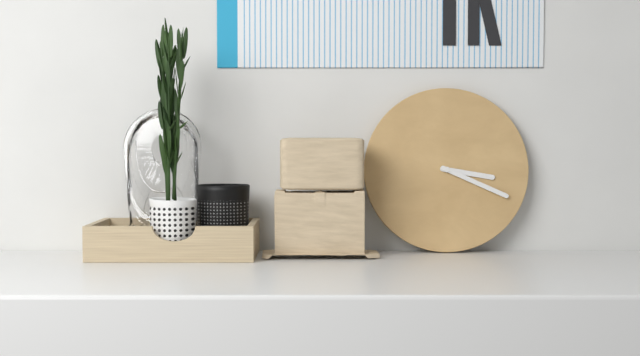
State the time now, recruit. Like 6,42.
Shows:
3,19
